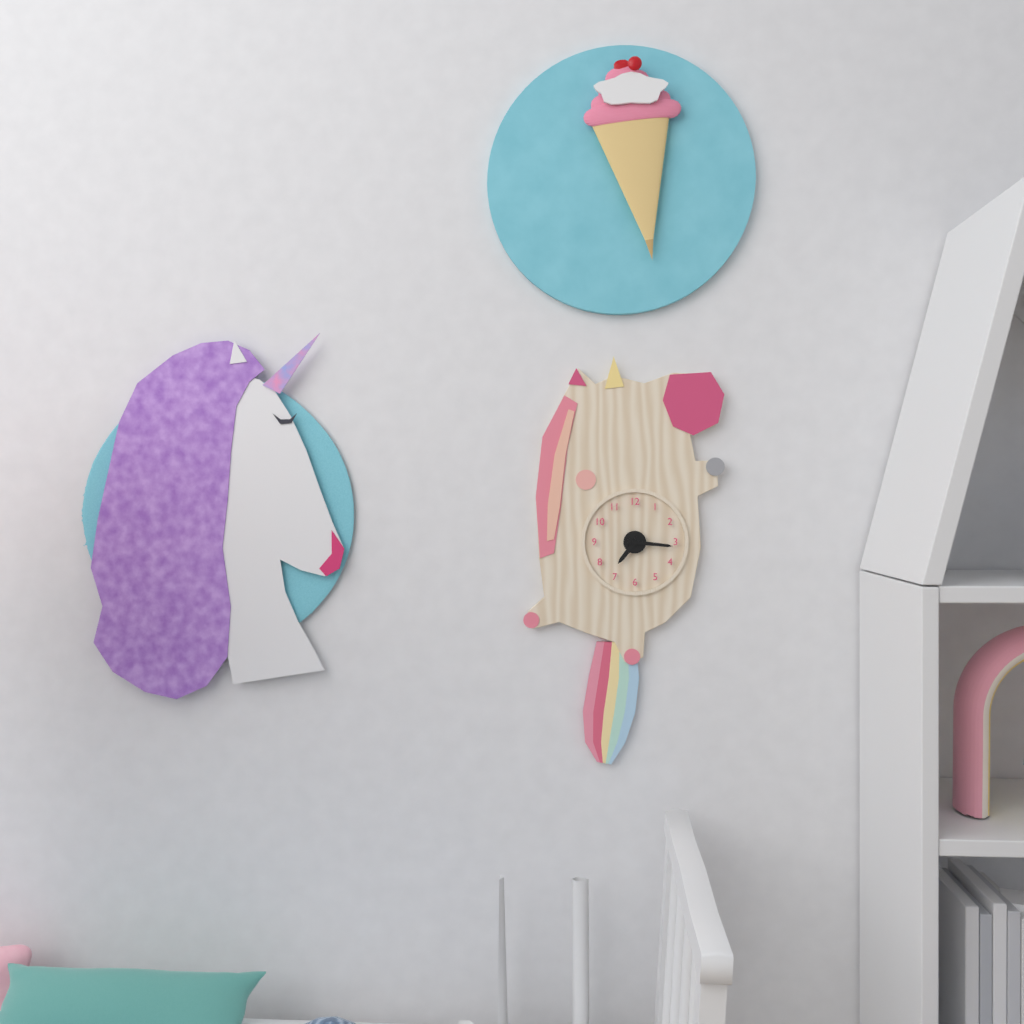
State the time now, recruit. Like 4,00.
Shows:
7,16
